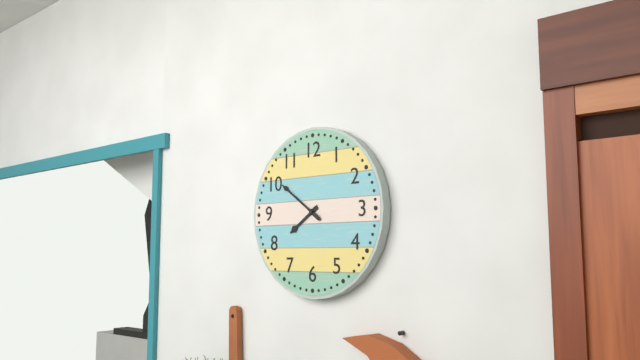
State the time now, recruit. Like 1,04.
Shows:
7,51
